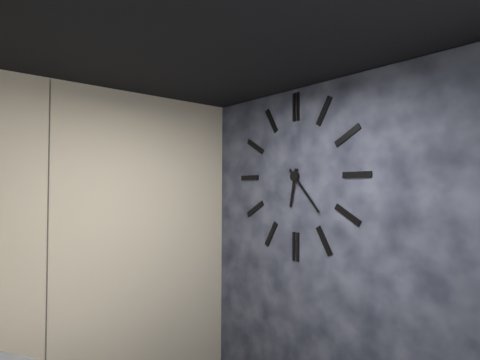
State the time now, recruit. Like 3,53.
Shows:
6,23
